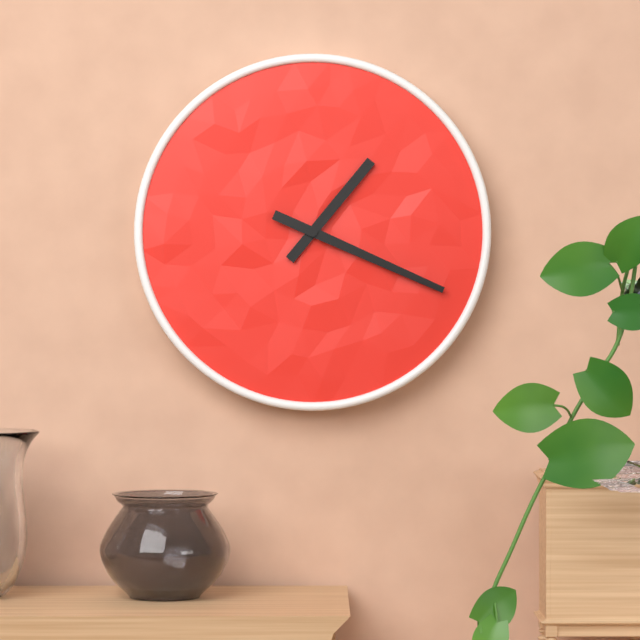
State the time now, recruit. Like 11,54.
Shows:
1,19
